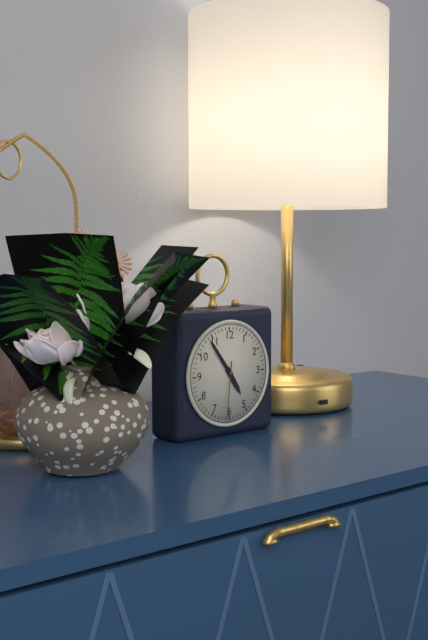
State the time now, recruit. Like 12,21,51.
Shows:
4,54,31
